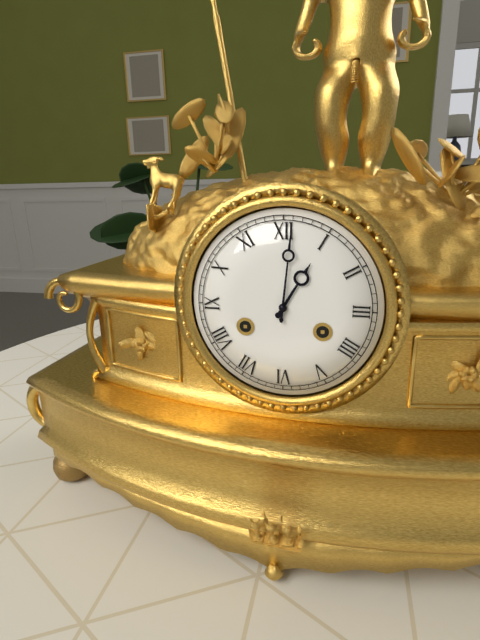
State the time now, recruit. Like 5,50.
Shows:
1,01
